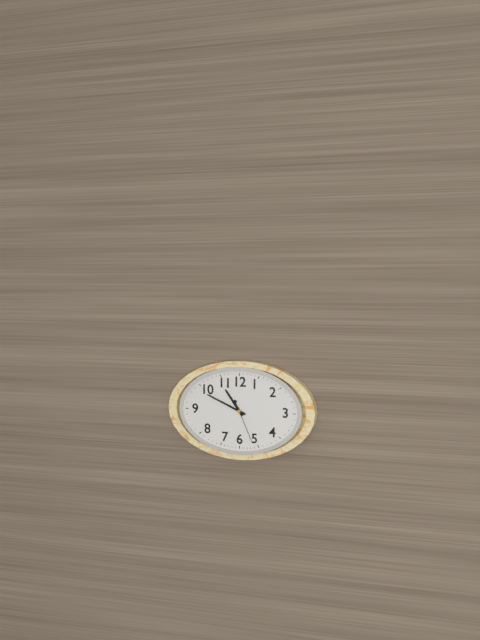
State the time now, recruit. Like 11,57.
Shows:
10,49
